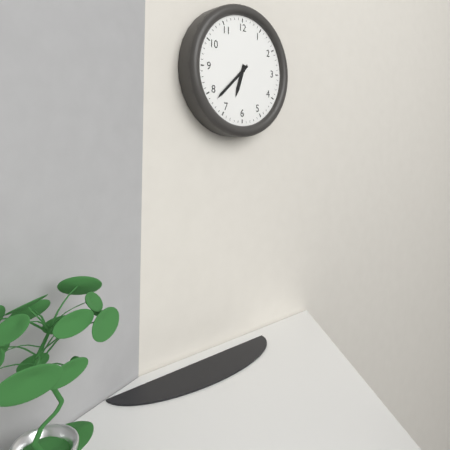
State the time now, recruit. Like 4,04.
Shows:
6,38
